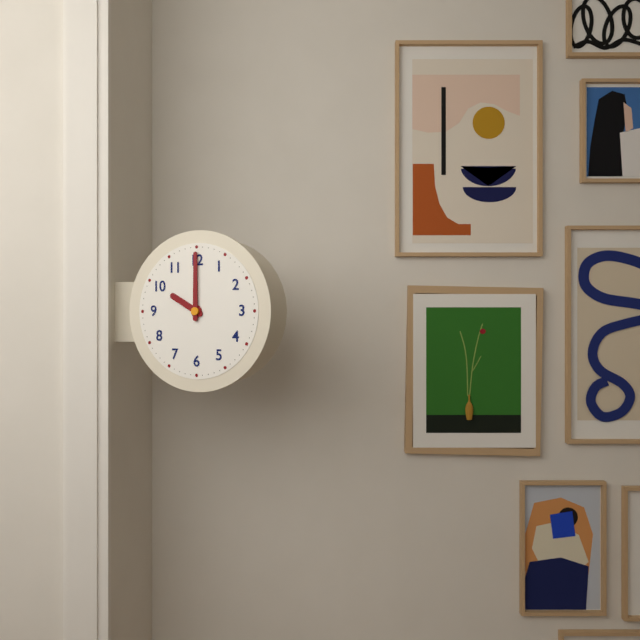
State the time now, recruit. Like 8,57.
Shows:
10,00
